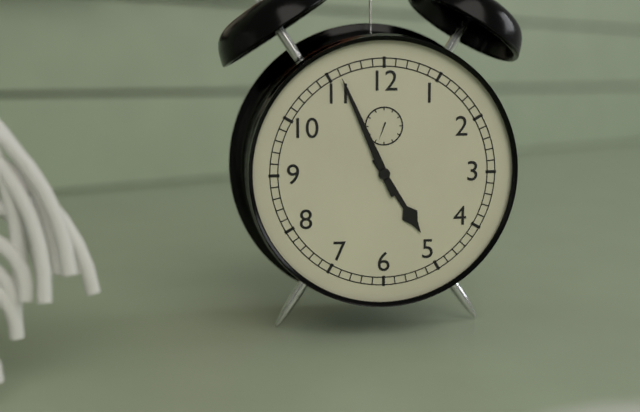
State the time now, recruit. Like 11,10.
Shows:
4,56
